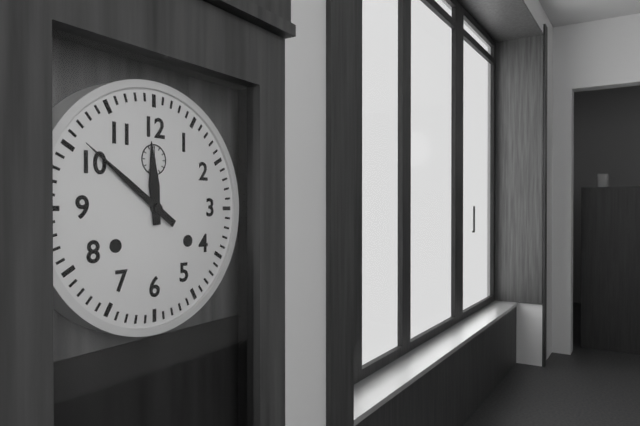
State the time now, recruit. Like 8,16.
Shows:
11,51
